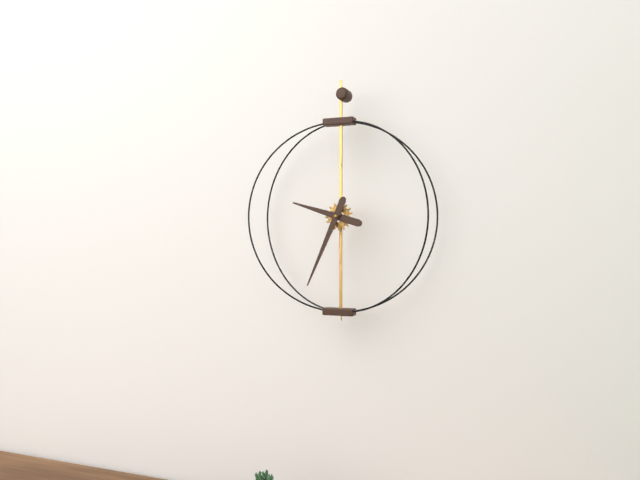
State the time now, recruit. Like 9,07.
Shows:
9,34
